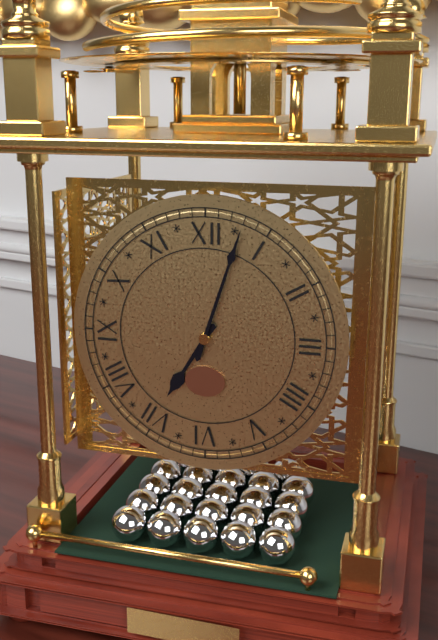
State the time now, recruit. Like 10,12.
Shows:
7,03
